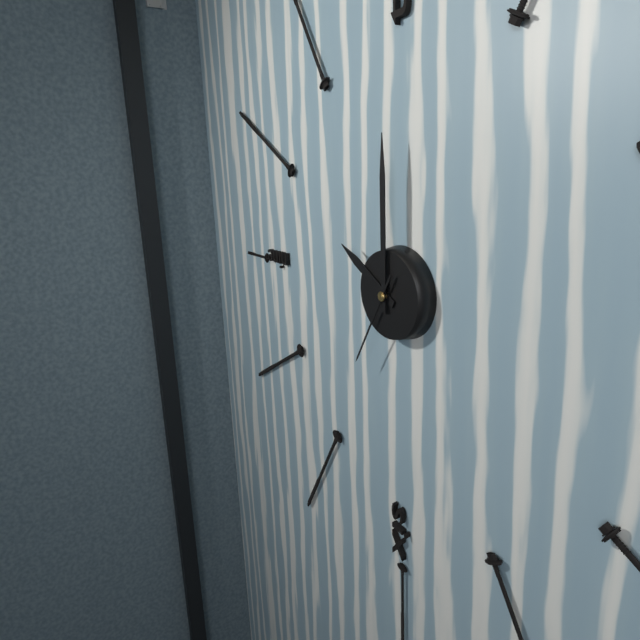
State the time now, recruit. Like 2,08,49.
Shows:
10,00,35
